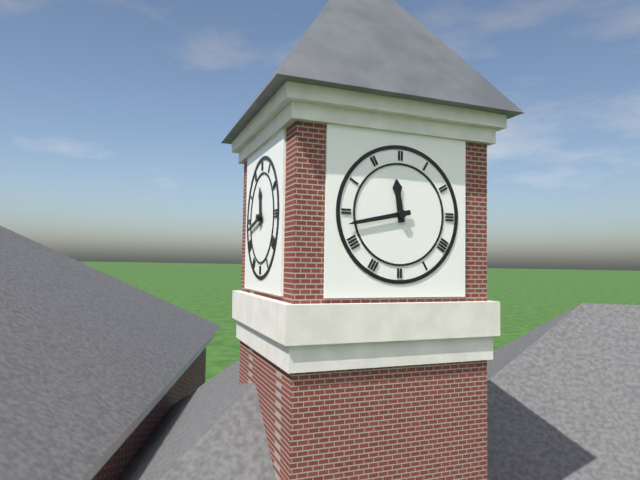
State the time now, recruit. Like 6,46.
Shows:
11,43
